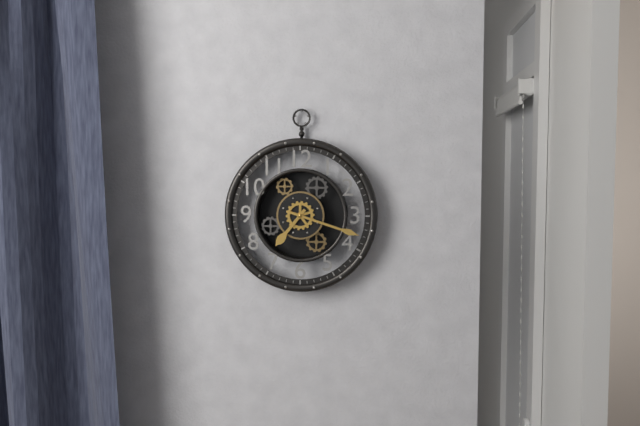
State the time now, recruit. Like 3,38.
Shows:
7,18
